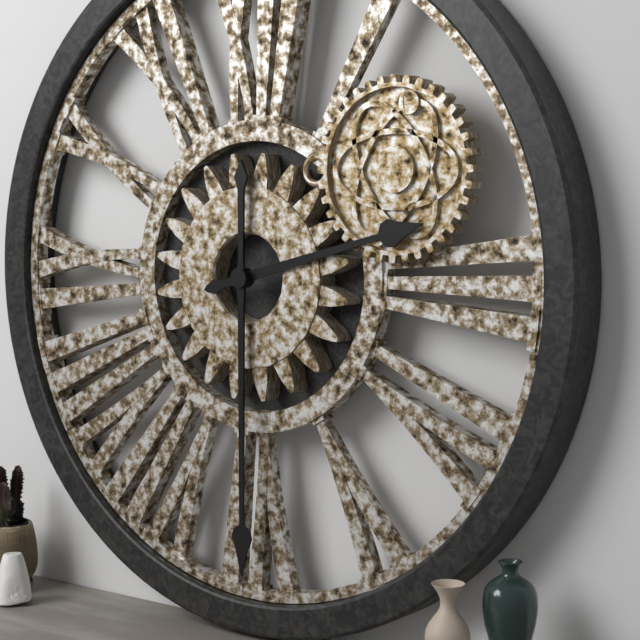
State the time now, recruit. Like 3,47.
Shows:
2,30
